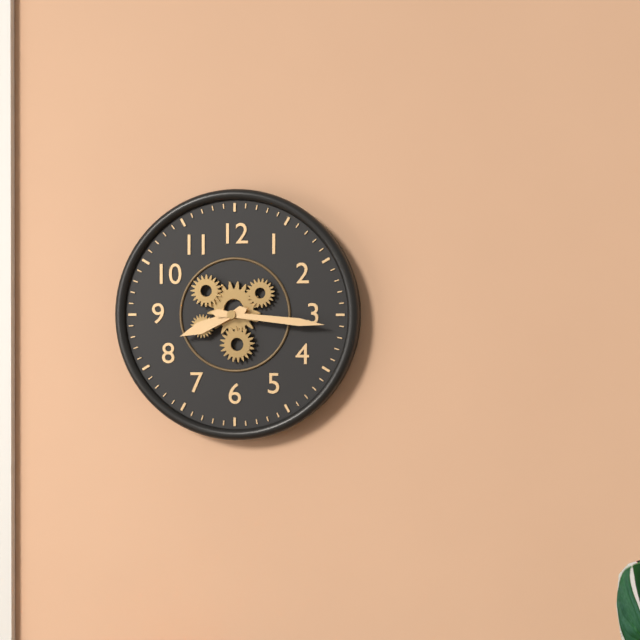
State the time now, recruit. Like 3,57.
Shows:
8,16
